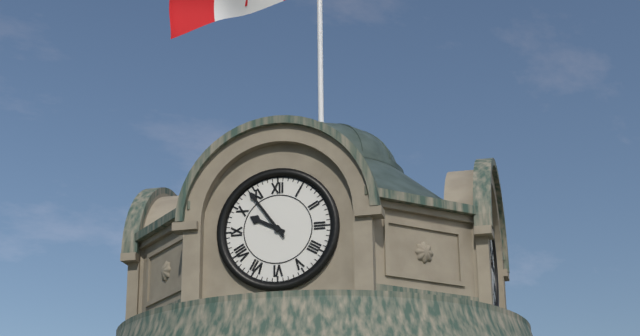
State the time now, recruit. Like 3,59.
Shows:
9,54
